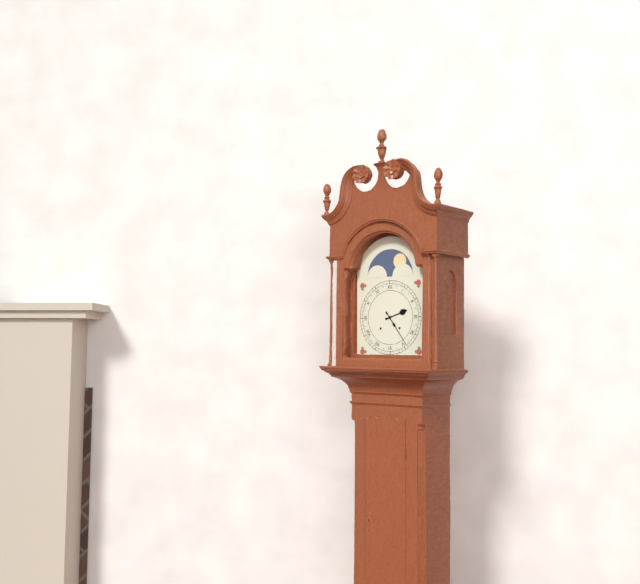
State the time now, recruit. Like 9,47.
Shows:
2,24
